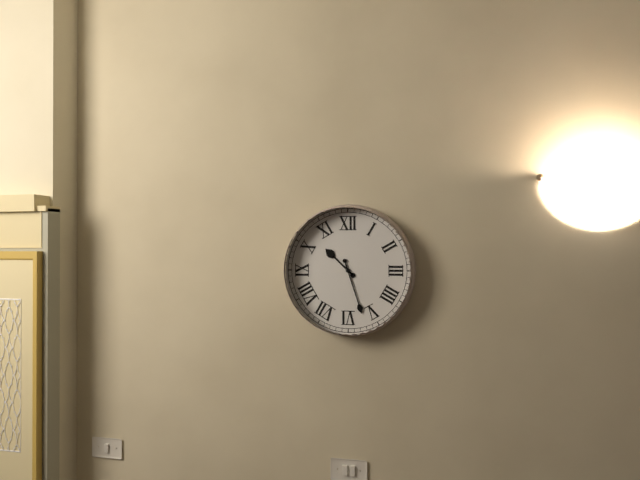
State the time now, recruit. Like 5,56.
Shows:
10,27
